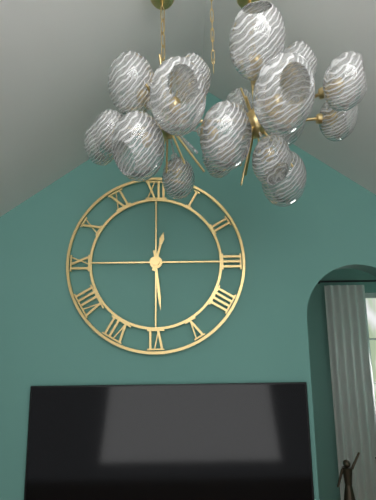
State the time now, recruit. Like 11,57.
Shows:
12,29
